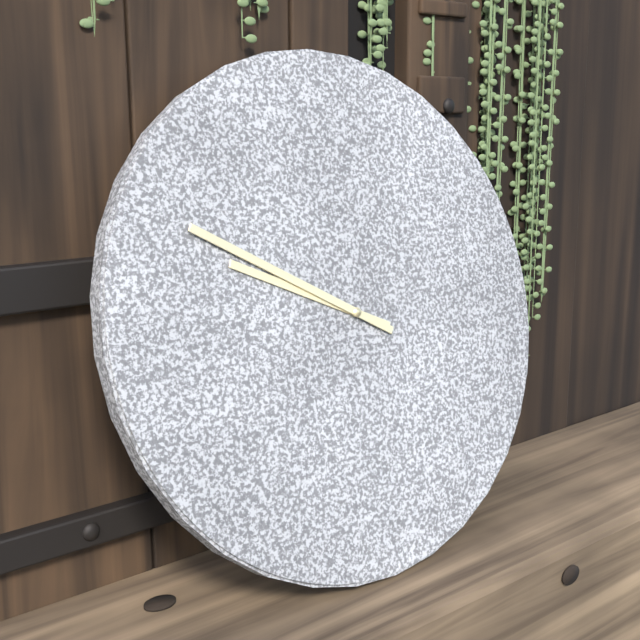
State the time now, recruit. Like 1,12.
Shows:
9,50
